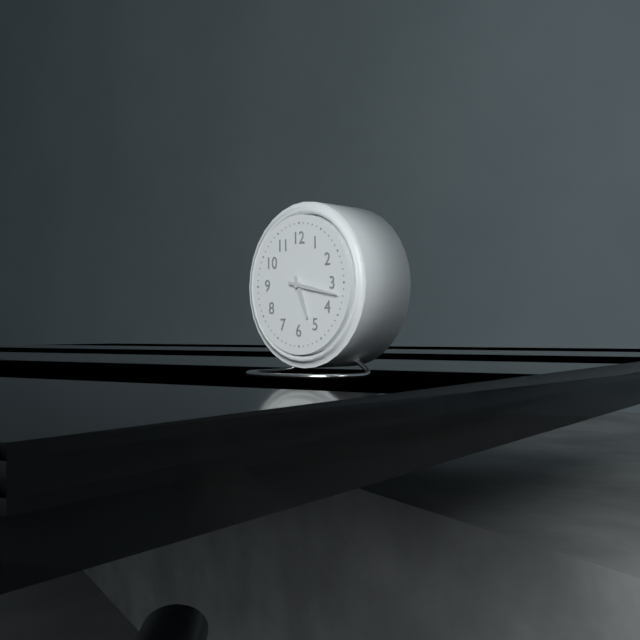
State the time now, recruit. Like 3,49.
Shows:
5,17
